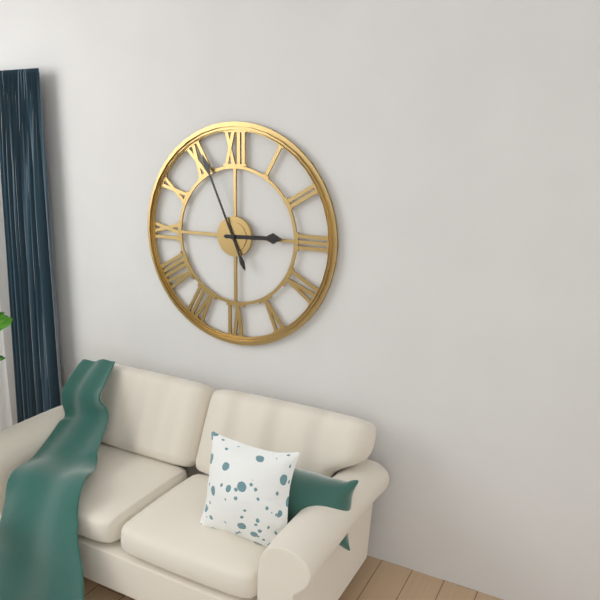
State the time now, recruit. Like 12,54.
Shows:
2,56
